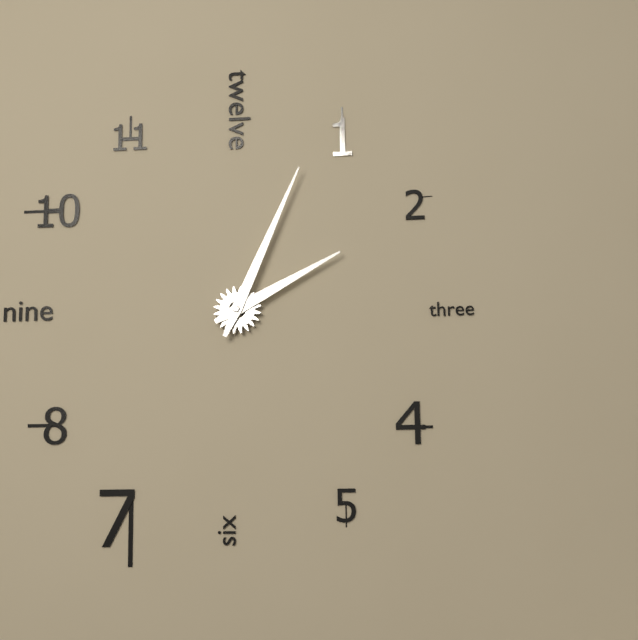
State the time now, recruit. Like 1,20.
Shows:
2,04
